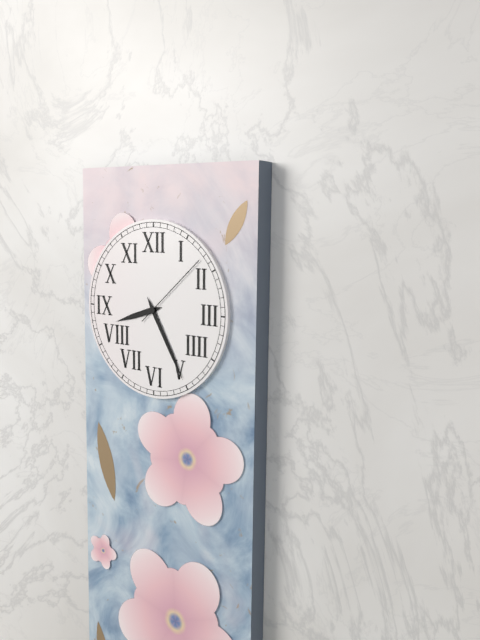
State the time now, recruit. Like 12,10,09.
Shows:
8,25,08
